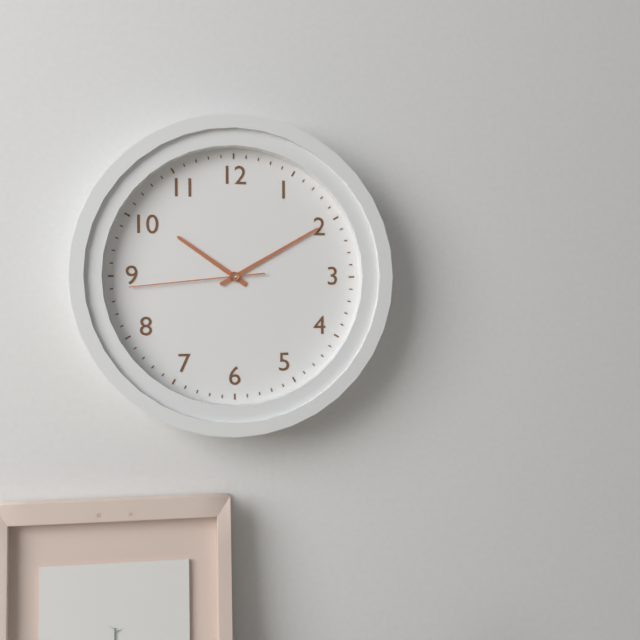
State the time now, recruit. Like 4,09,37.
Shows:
10,10,44
